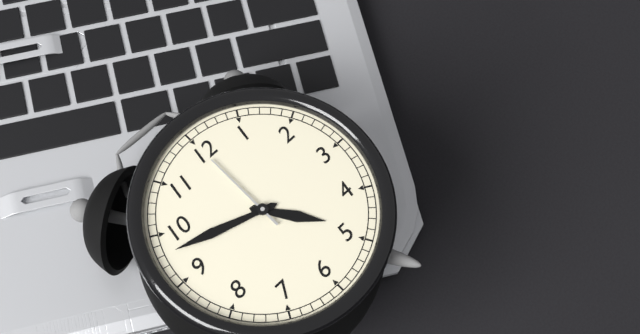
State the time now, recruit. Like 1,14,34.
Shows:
4,48,00
